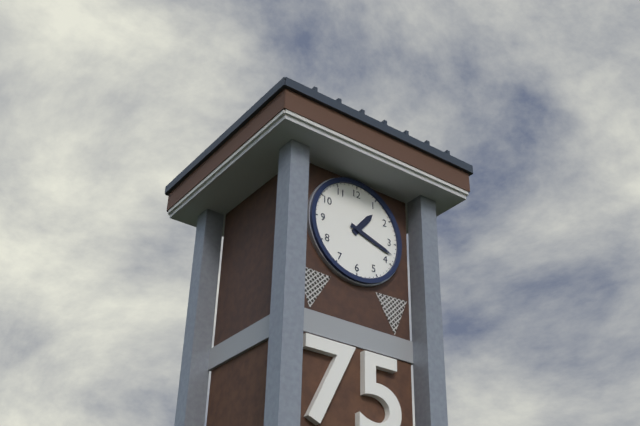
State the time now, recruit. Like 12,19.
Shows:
1,18
